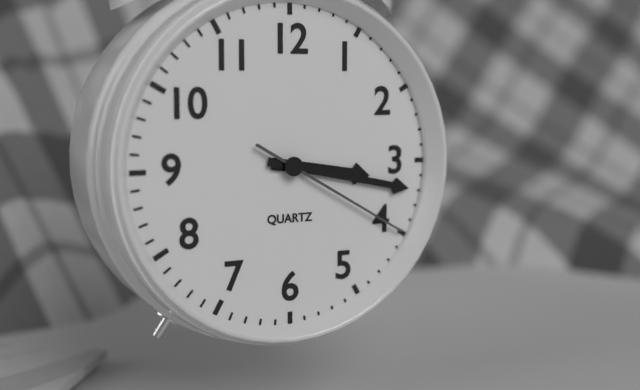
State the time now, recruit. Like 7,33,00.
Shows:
3,17,20
